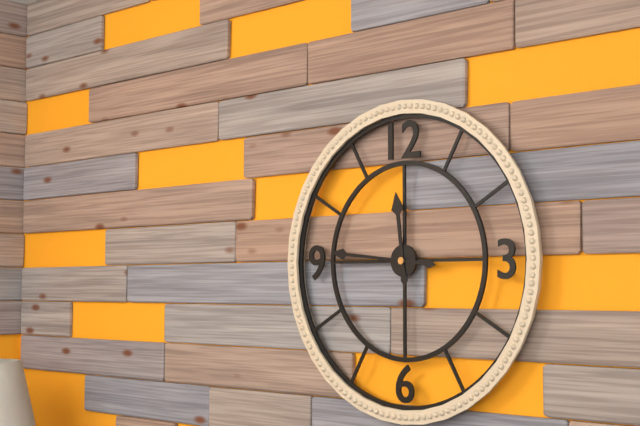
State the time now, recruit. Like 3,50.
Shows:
11,46
